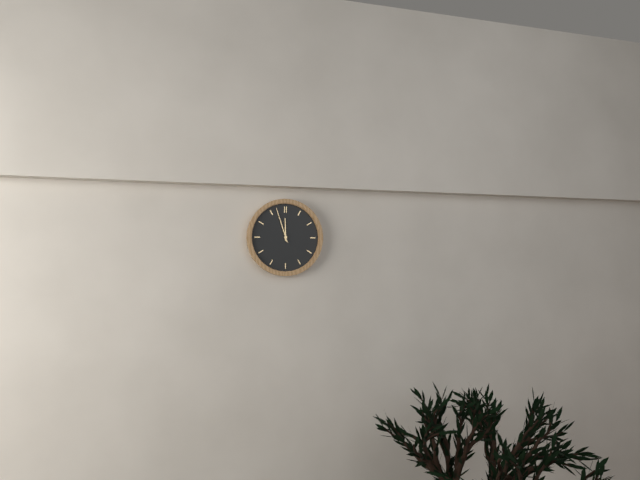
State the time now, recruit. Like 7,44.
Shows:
11,57
